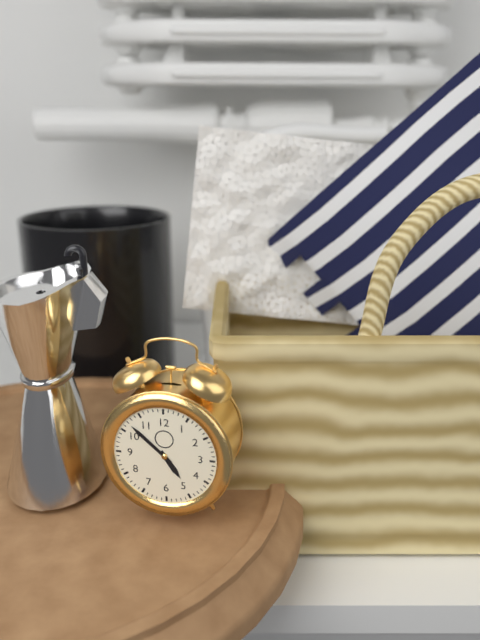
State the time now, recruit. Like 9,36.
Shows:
4,52
